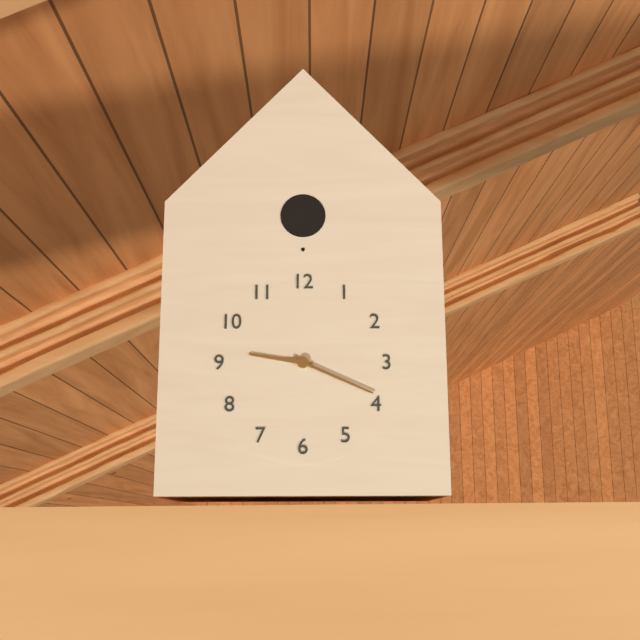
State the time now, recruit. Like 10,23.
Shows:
9,19
